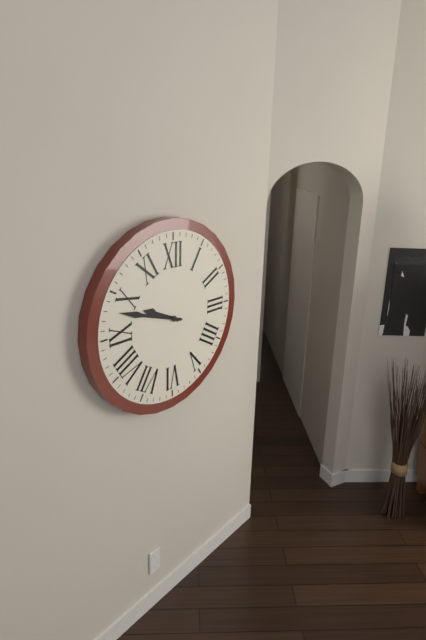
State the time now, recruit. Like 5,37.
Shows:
9,48
